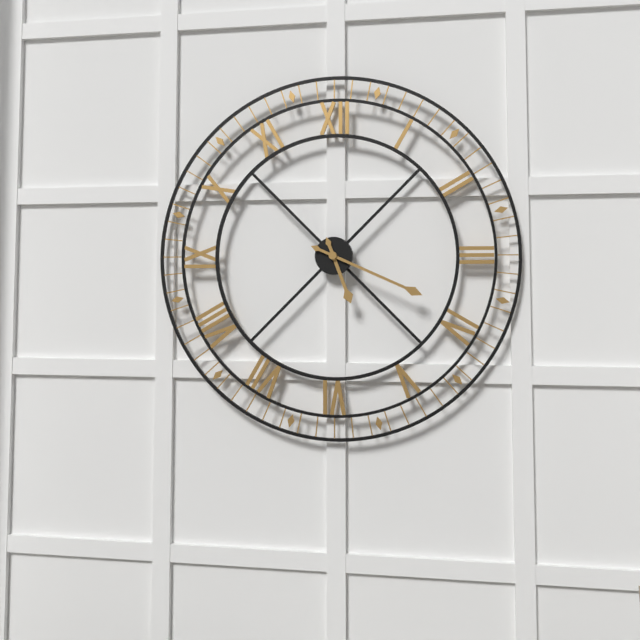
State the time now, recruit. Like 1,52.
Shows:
5,19
